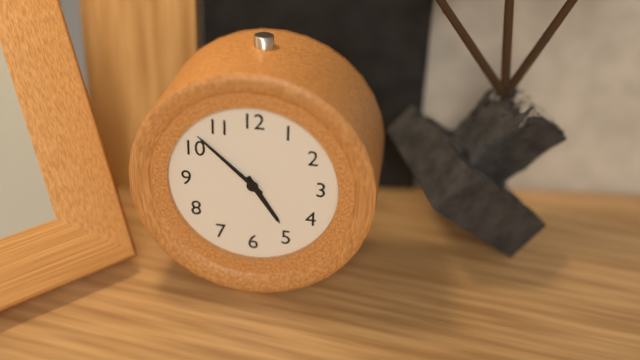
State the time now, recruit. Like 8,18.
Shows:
4,52
